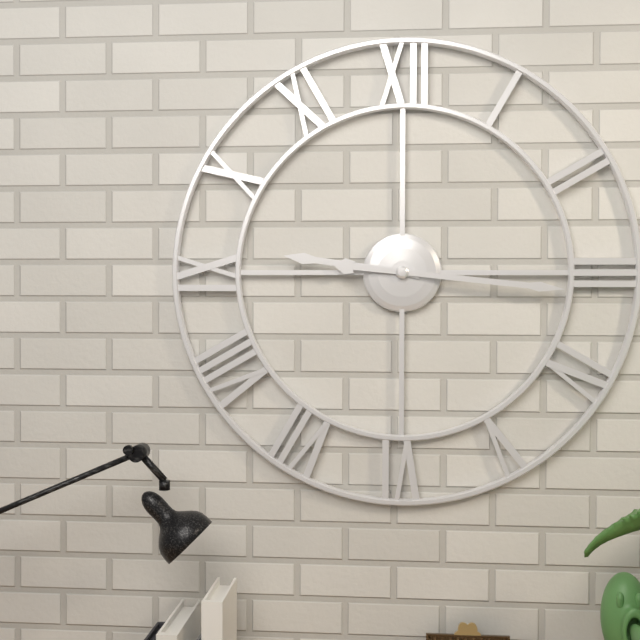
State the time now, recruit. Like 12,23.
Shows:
9,16
